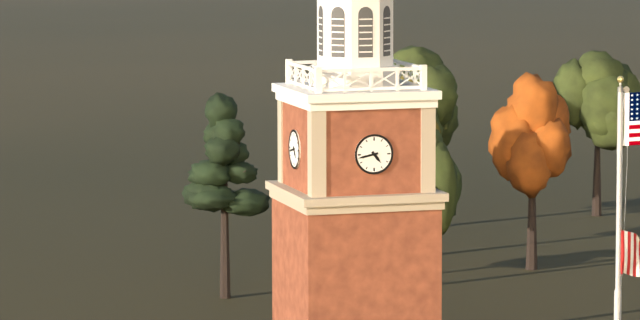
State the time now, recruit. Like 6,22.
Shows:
4,43
